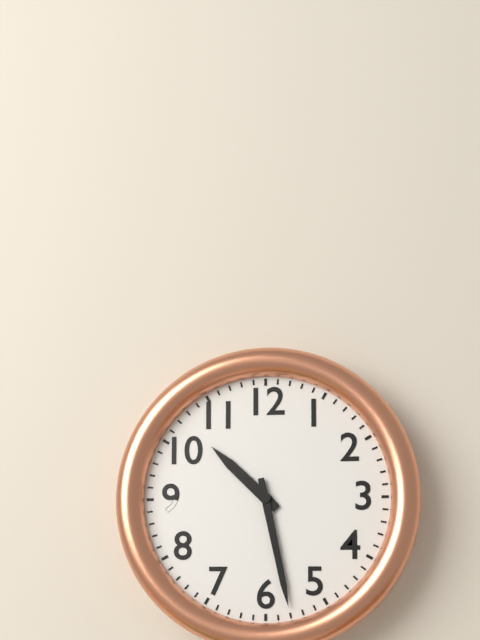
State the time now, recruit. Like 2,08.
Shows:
10,28
